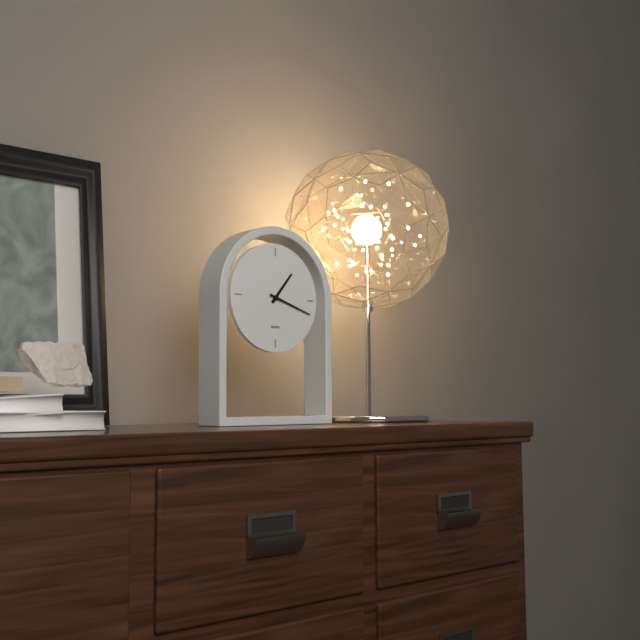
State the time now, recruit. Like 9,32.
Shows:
1,18
